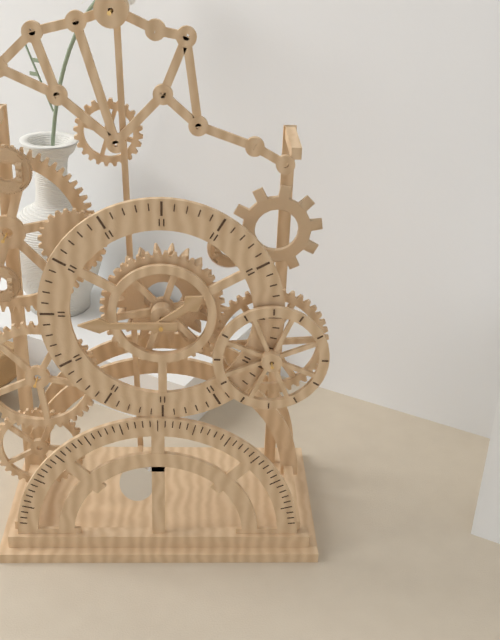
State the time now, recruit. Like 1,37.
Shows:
1,45
